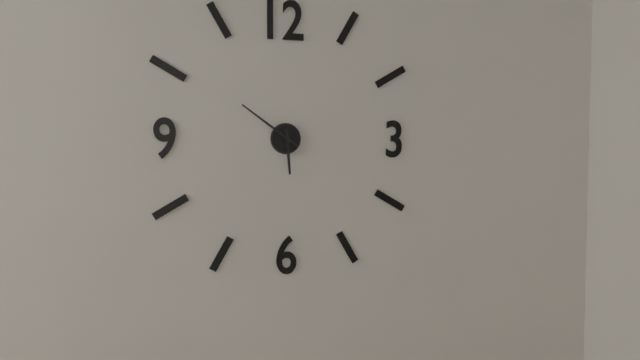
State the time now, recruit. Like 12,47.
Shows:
5,51
